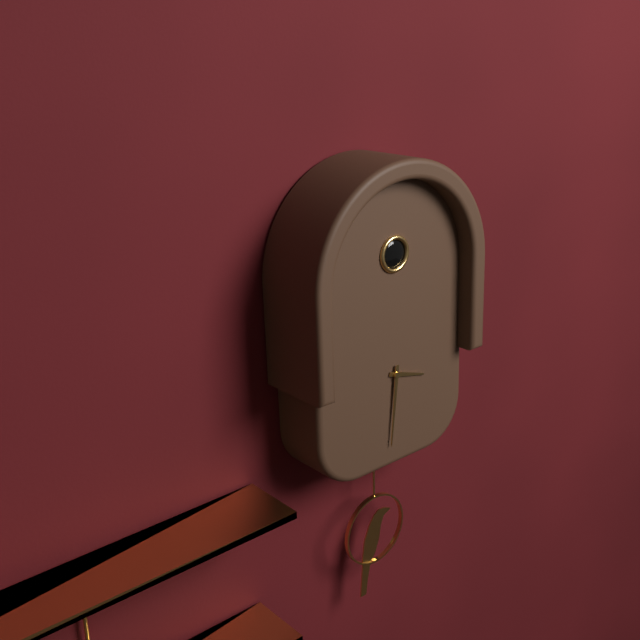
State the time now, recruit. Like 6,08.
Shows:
3,31
